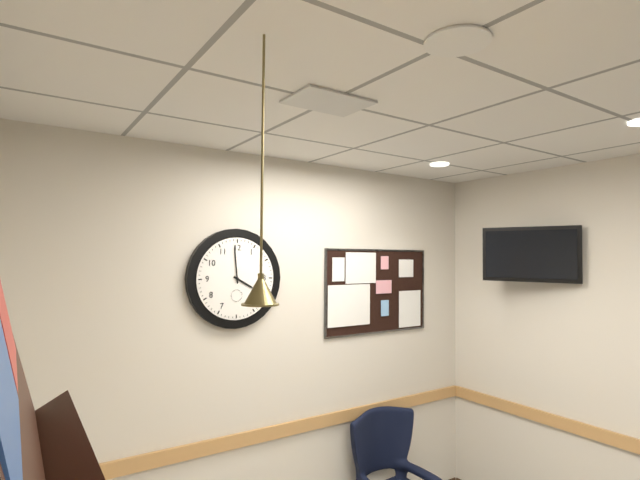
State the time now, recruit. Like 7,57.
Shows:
3,59
